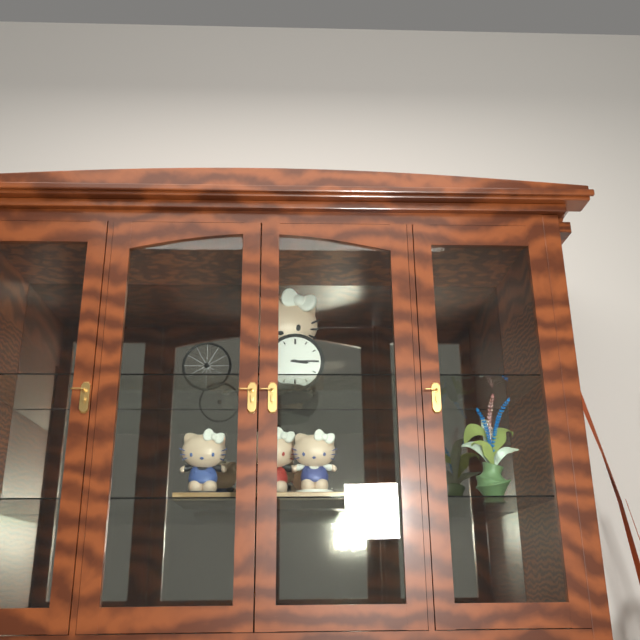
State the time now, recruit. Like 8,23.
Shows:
3,15
